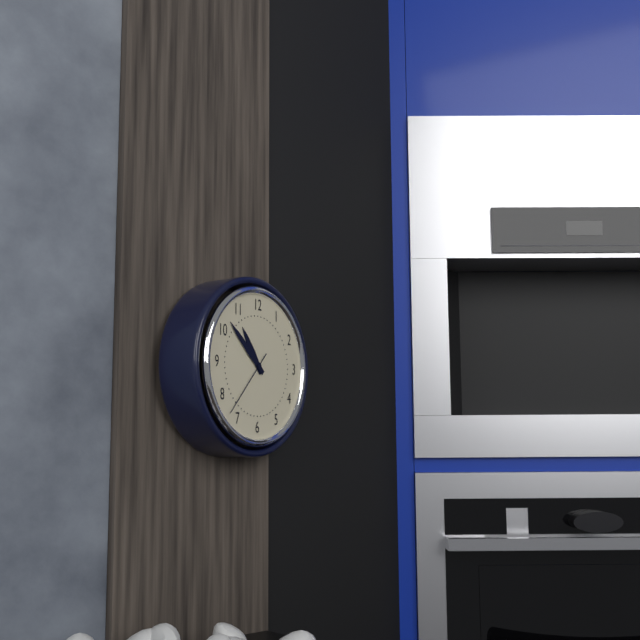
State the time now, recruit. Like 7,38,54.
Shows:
10,52,37
